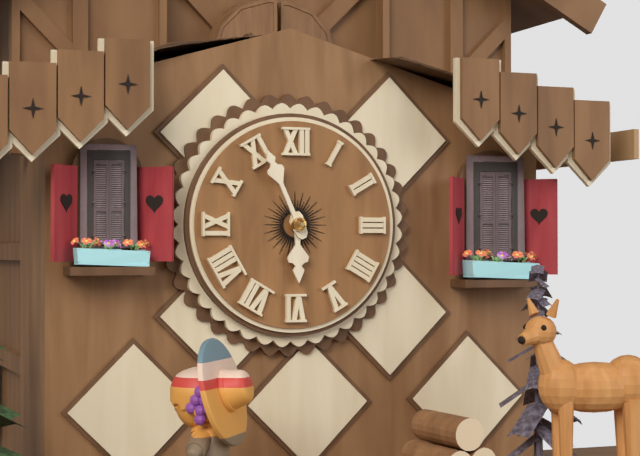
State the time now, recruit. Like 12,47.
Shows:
5,56
